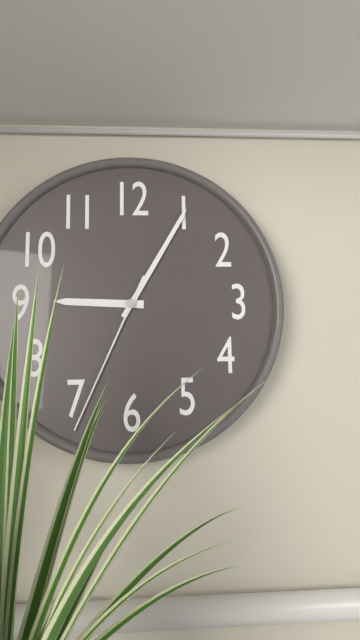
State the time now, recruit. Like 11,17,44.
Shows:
9,05,34
